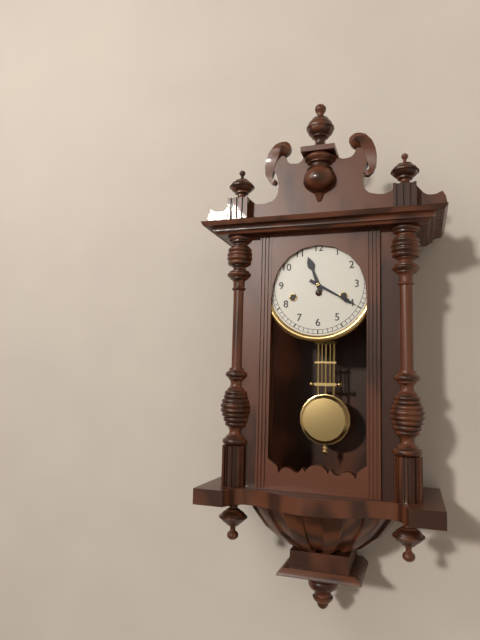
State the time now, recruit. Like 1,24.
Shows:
11,20
